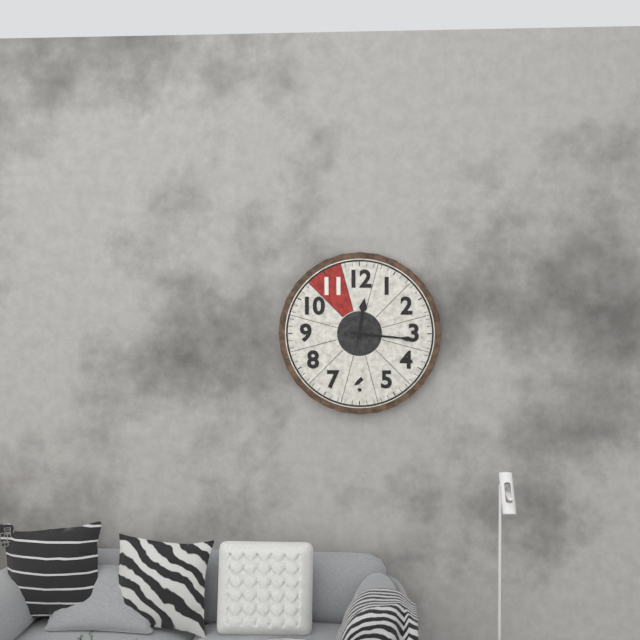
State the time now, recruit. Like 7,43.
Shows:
12,16
